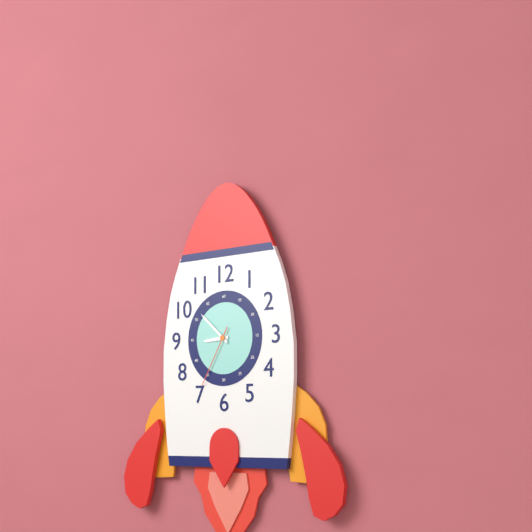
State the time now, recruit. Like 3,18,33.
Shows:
8,52,35
